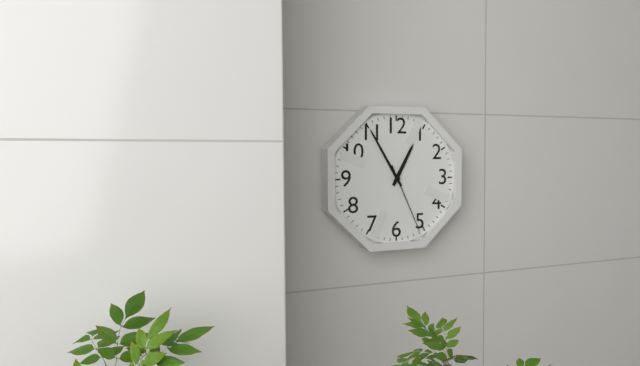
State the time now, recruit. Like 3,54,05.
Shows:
12,55,26
